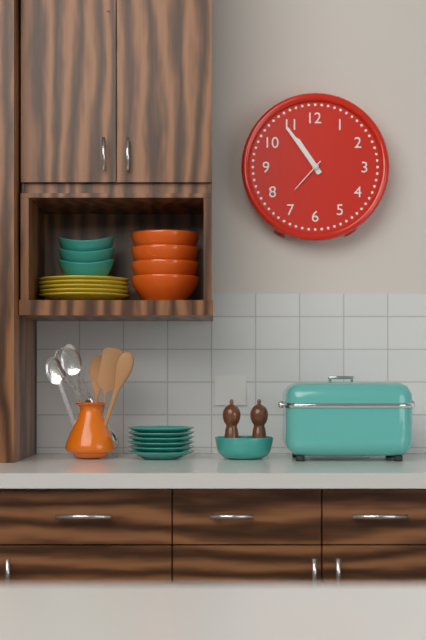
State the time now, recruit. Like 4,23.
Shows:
10,54
